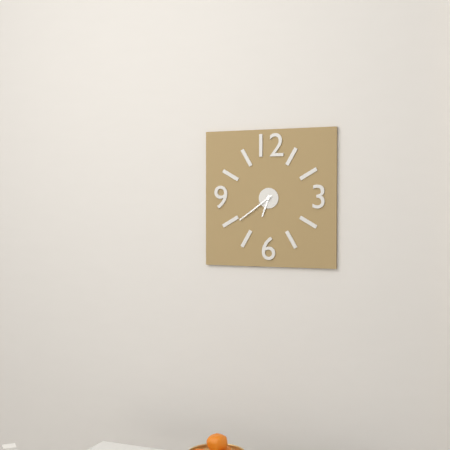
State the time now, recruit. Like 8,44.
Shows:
6,39
